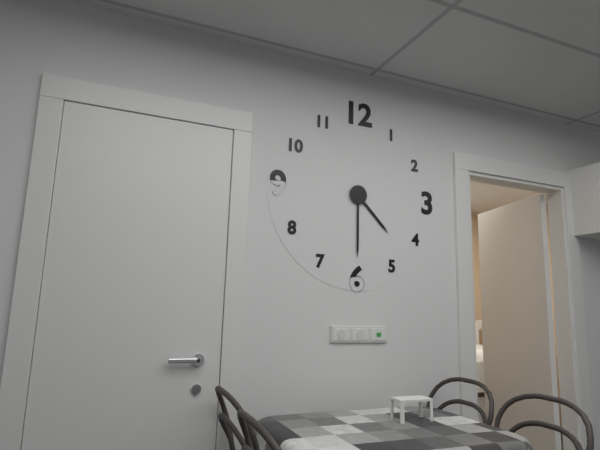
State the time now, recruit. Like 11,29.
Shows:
4,30
